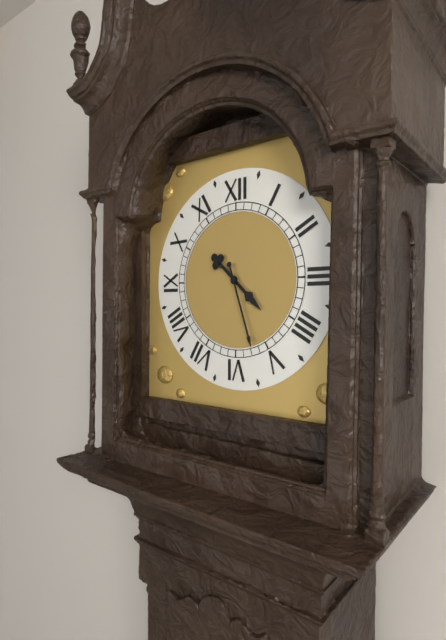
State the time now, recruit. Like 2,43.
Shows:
4,27
